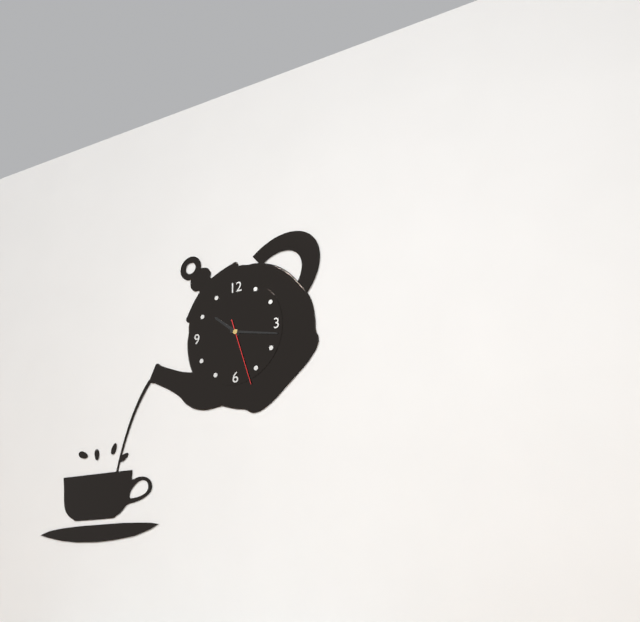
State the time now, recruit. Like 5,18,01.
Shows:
10,17,27
